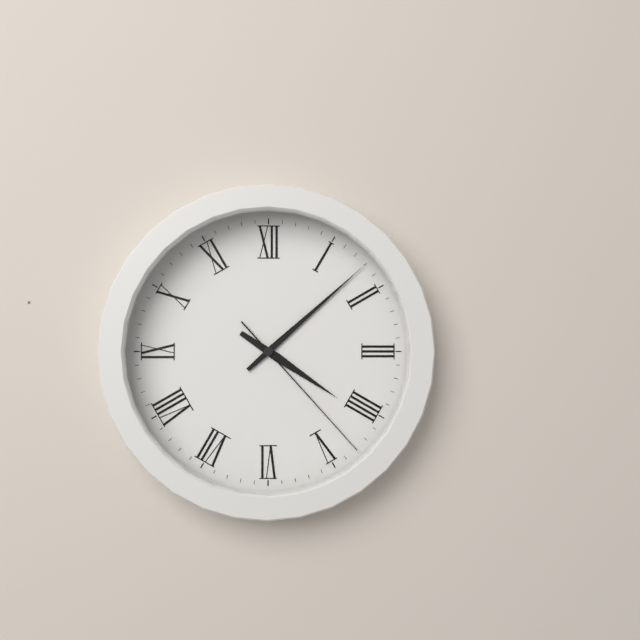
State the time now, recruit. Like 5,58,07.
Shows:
4,08,23
